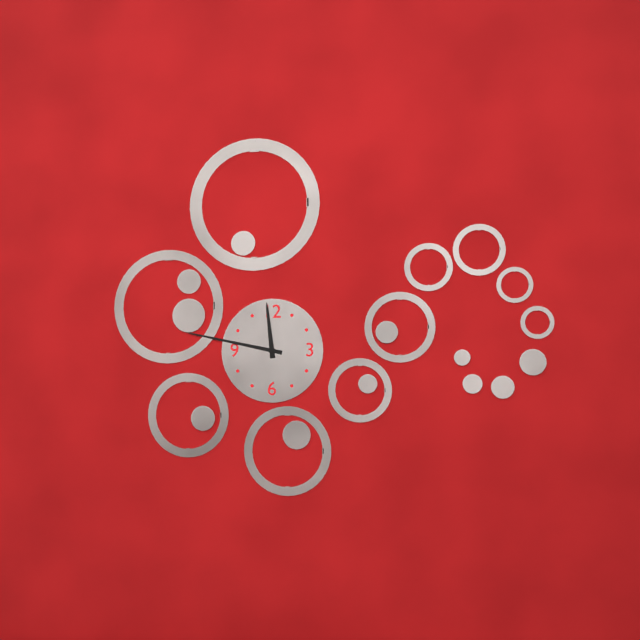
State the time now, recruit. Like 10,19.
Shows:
11,47
